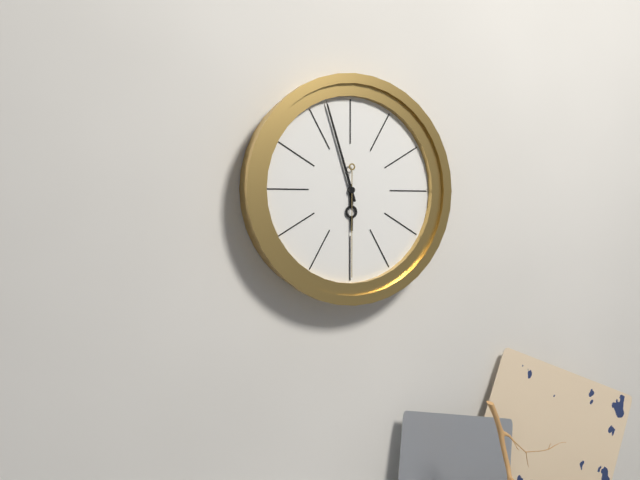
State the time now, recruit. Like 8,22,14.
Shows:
5,57,30
